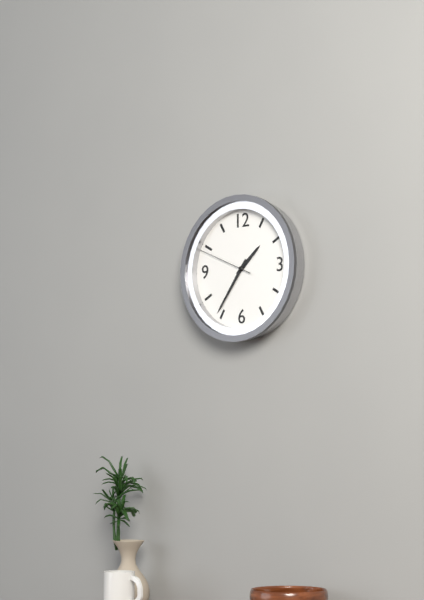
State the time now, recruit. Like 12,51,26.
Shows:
1,36,49
